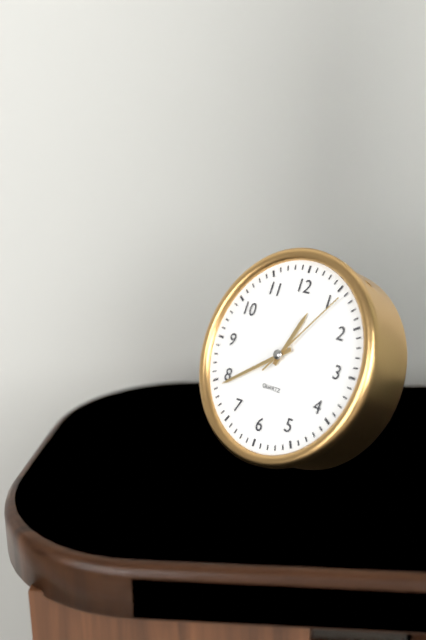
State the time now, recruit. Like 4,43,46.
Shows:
12,39,06
